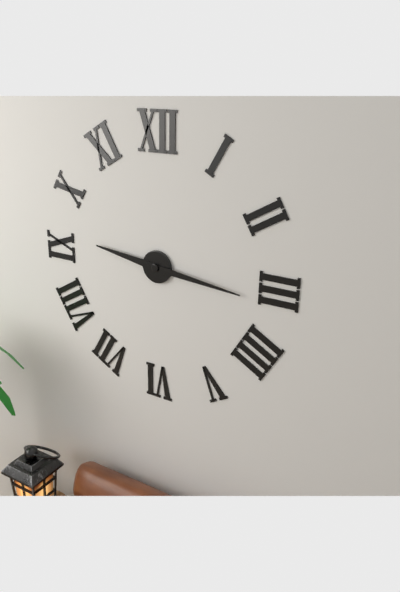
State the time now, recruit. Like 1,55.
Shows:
9,16
